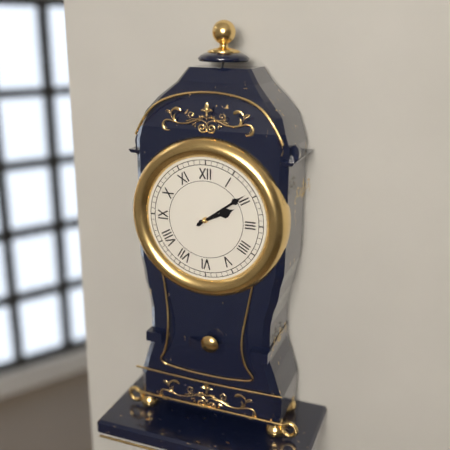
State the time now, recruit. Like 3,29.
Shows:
2,09
